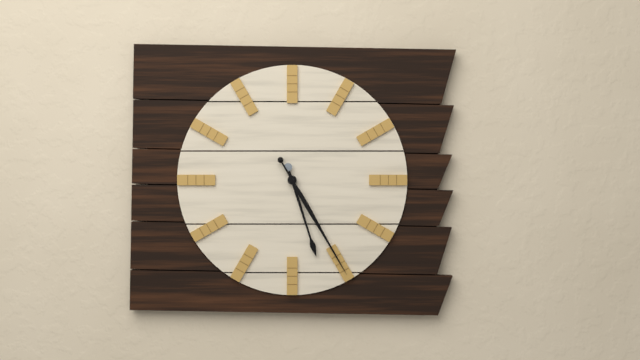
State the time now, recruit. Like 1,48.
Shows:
5,25
